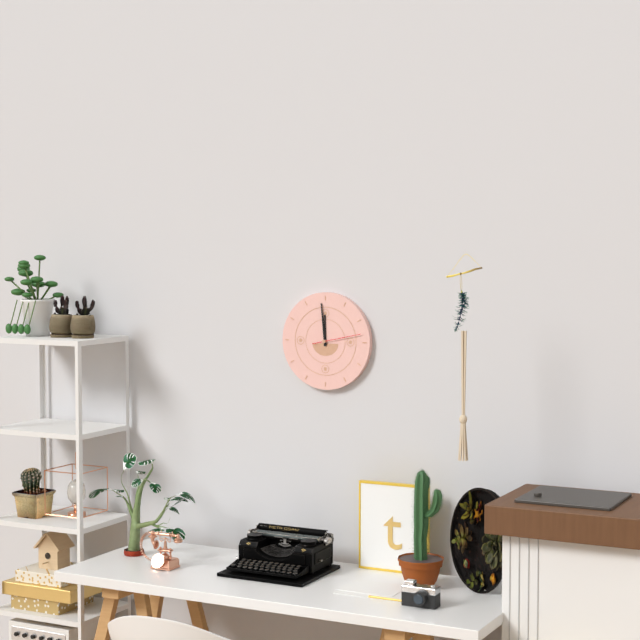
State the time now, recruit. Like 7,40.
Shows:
11,59
